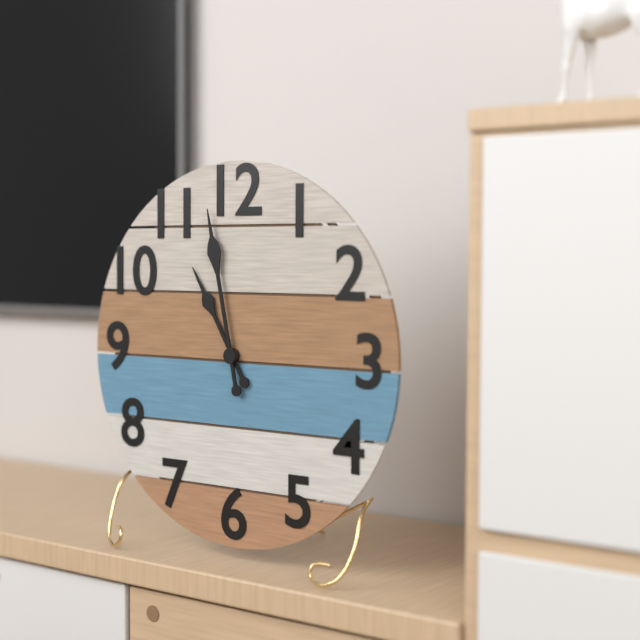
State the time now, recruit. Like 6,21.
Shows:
10,58
